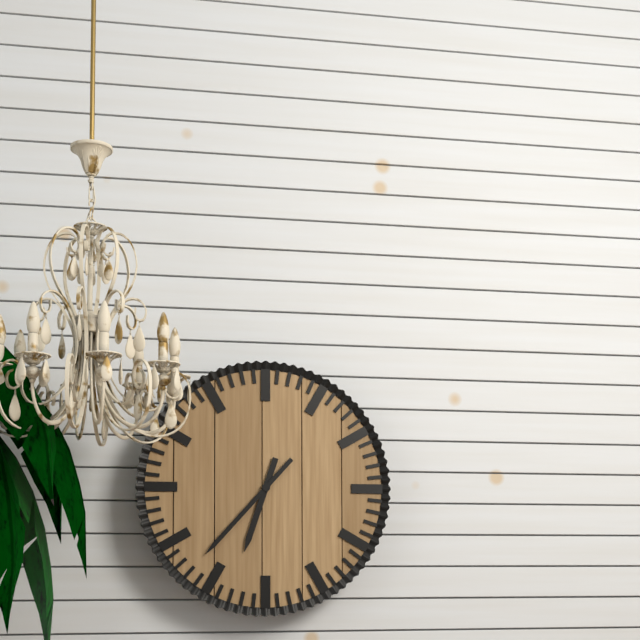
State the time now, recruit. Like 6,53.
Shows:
6,37
